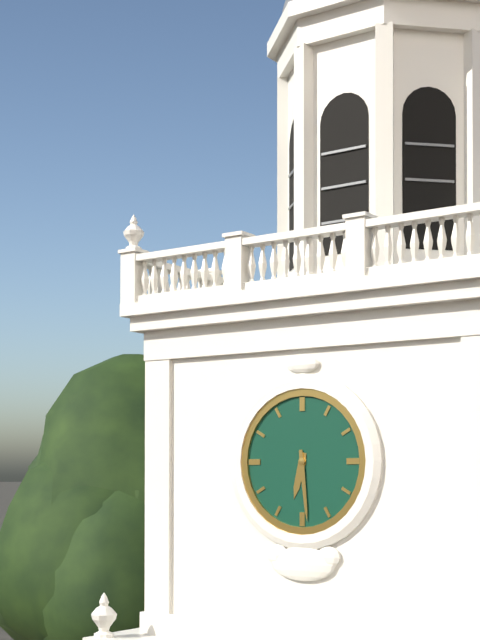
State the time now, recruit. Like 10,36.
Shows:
6,29
